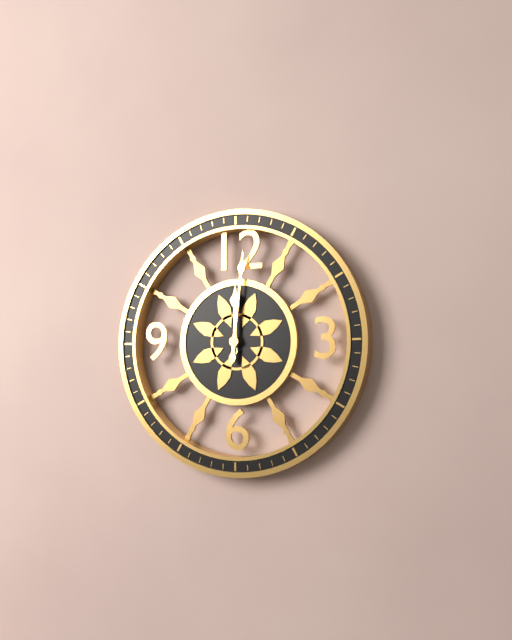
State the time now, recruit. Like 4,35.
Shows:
12,01
